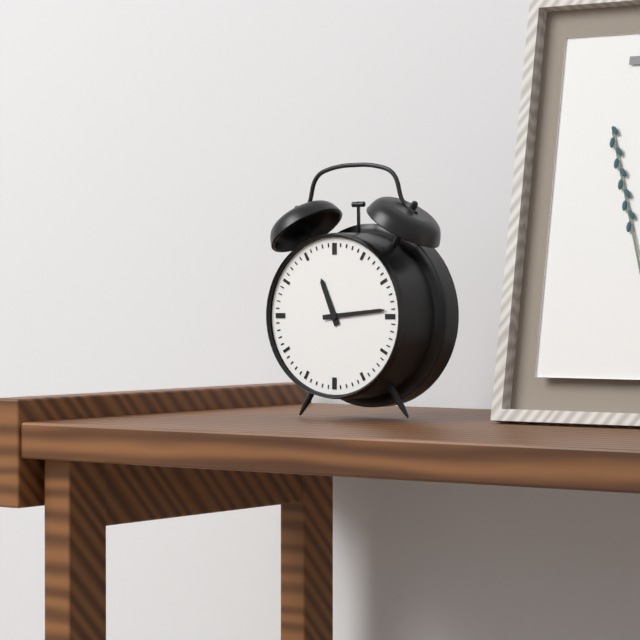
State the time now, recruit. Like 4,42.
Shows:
11,14
